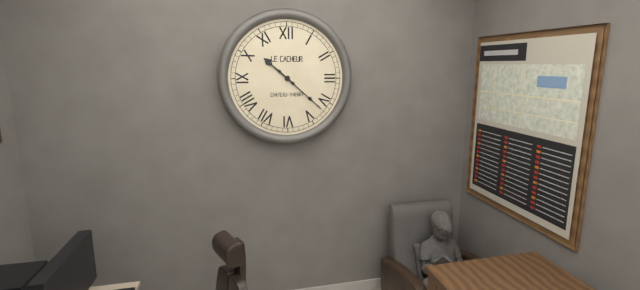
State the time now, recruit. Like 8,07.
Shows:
10,22
